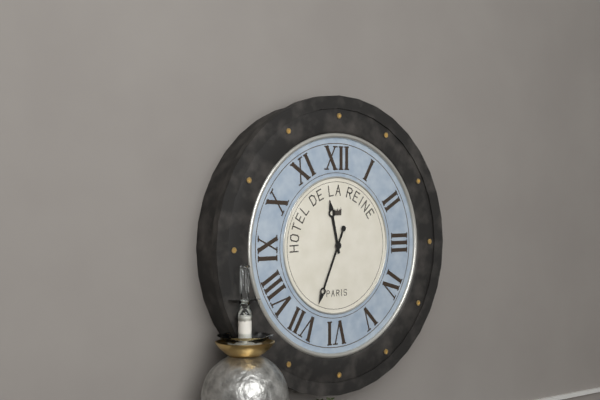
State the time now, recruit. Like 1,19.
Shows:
11,34
